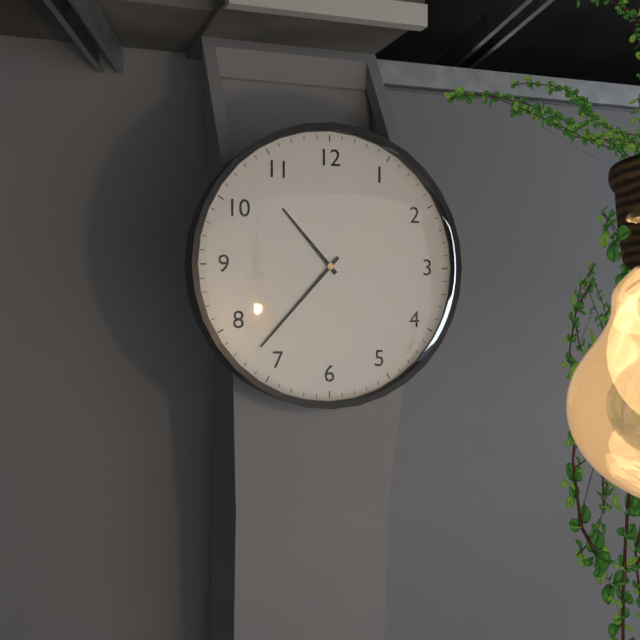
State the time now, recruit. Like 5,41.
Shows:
10,37
